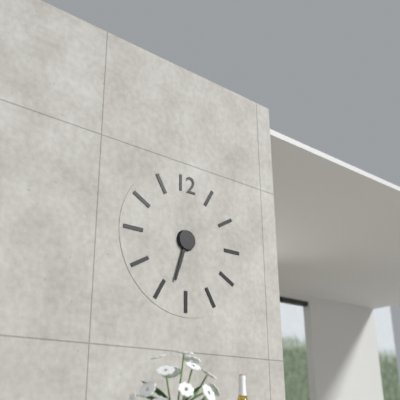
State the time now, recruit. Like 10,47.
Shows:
6,33
